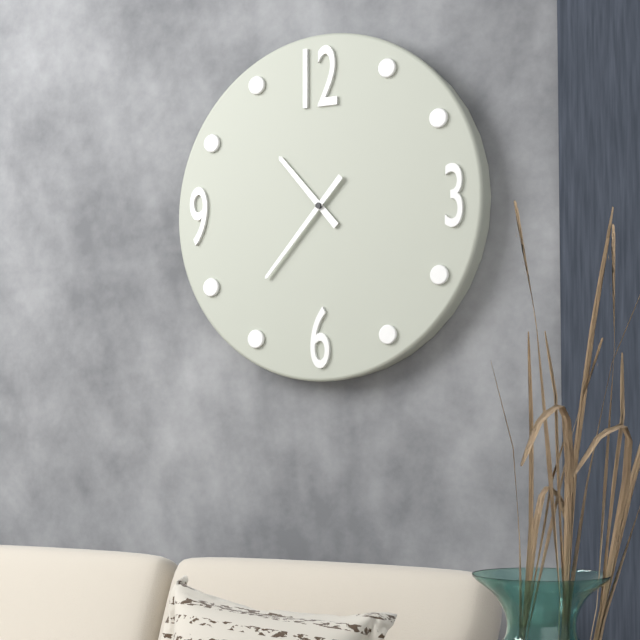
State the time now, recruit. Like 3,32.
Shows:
10,37
